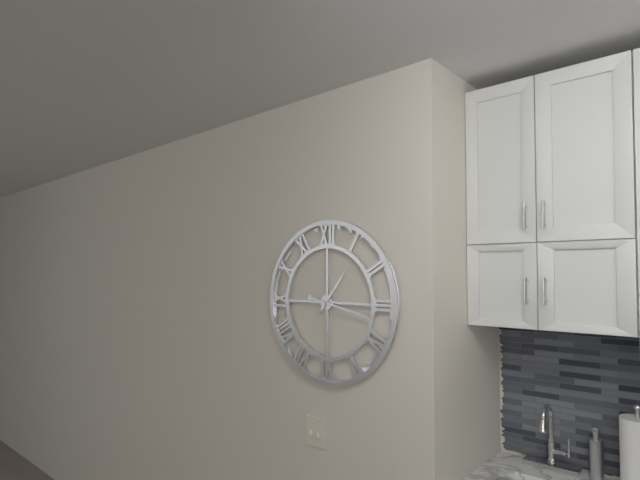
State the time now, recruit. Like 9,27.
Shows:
1,17
